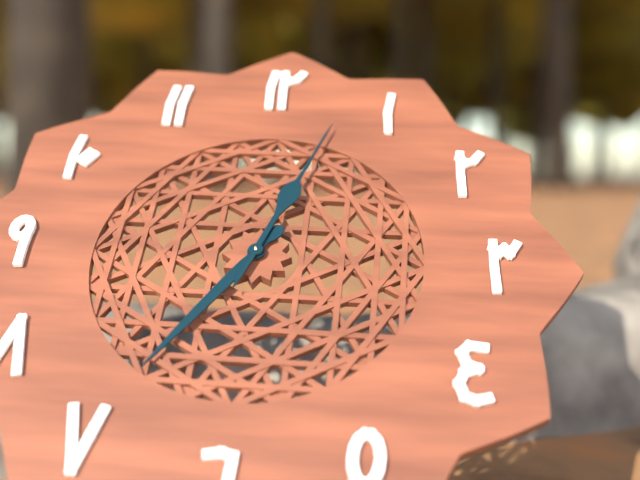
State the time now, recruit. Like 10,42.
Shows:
7,03
